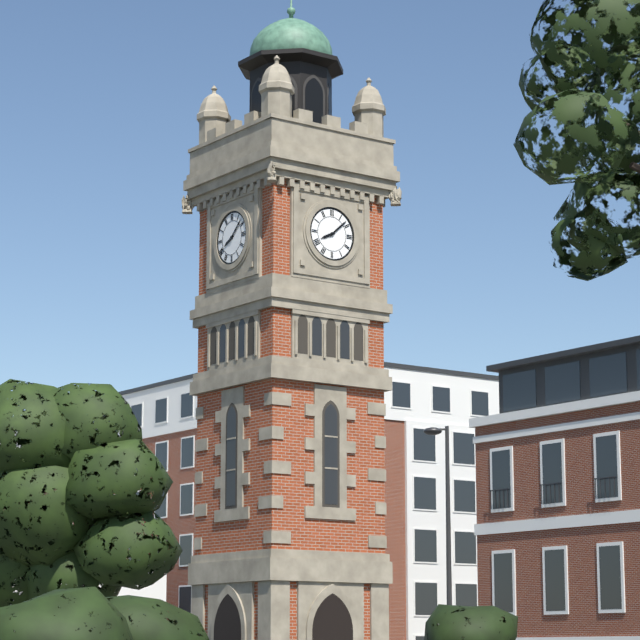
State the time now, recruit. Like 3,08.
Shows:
8,08
